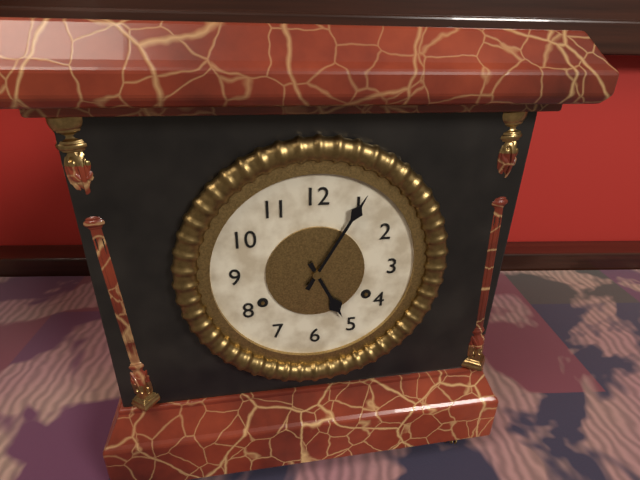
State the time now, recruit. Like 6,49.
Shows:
5,05
